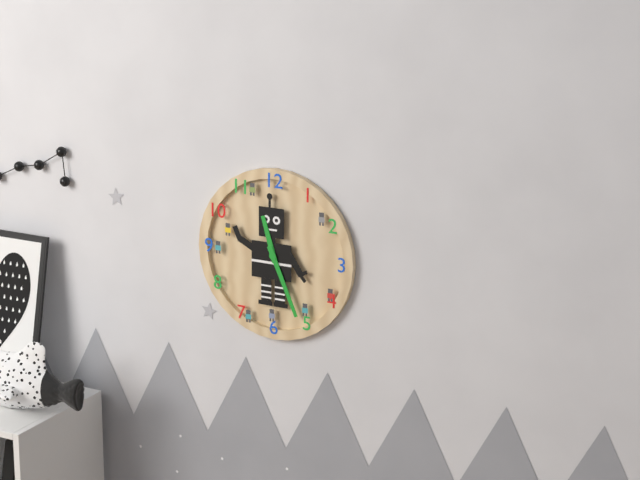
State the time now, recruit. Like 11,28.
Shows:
11,26
